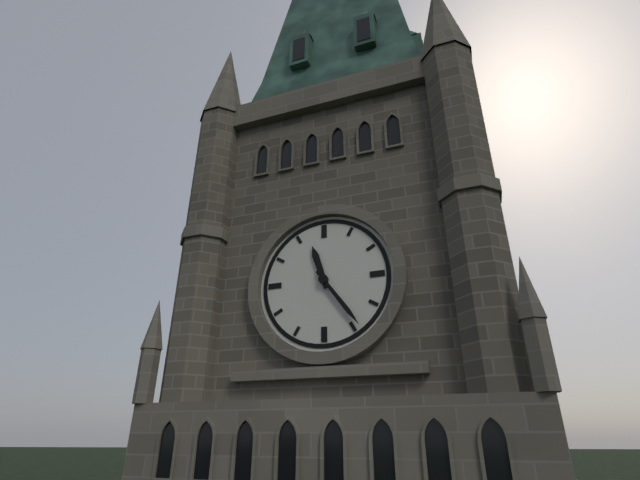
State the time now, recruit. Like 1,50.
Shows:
11,24
